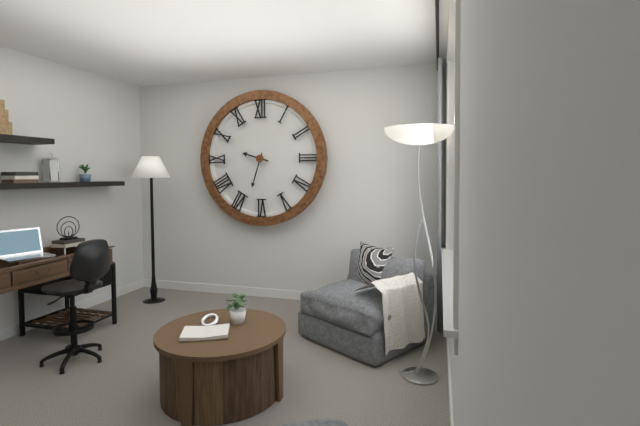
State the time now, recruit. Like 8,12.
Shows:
9,33
